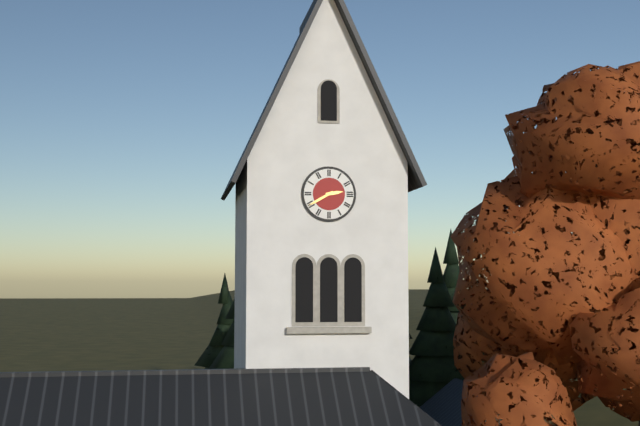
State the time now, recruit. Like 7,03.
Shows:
2,40
